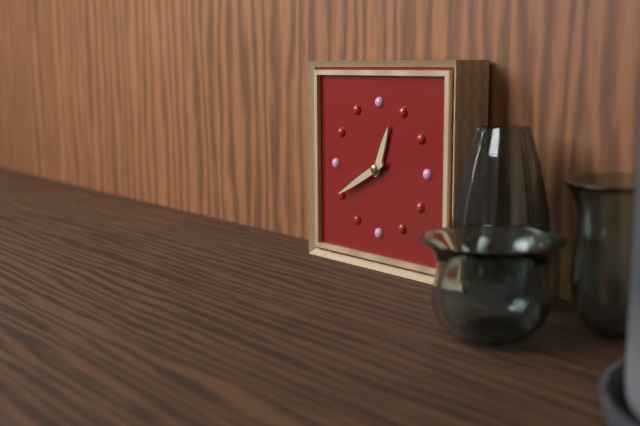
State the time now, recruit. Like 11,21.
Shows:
12,40
